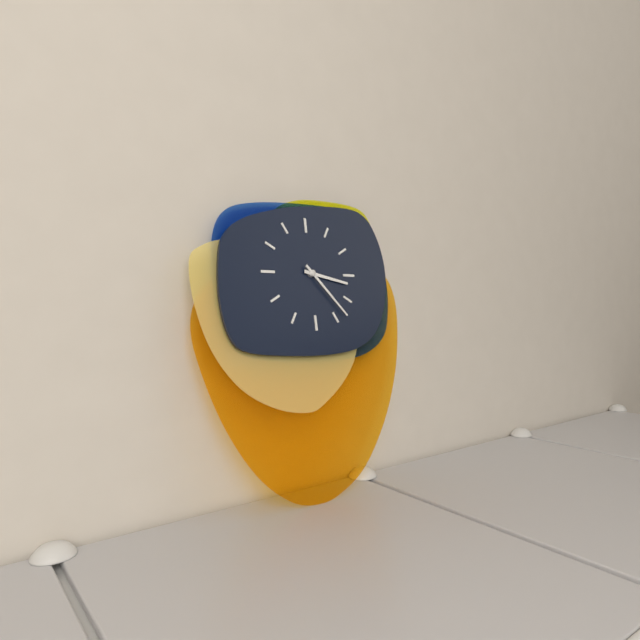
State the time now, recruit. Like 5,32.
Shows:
3,23
